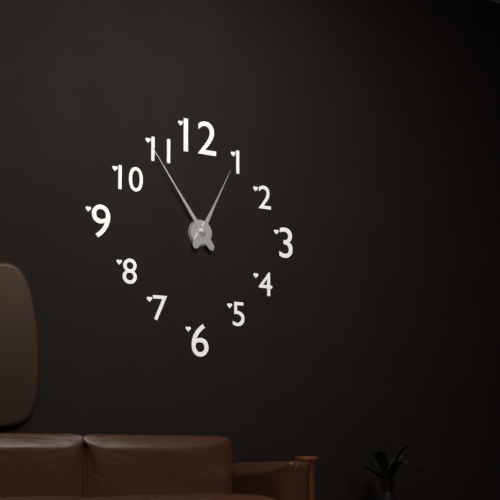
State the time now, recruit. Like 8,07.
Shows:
12,54
